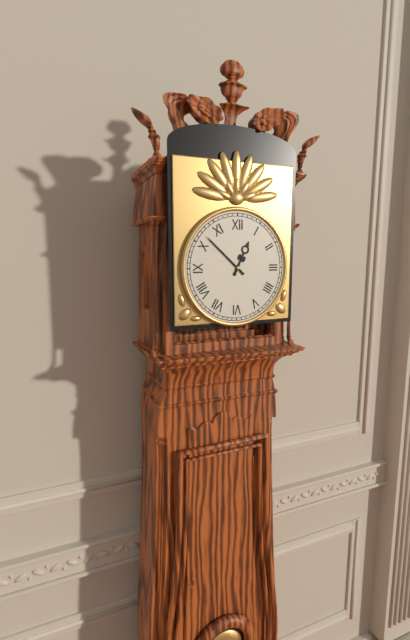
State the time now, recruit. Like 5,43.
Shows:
12,52
